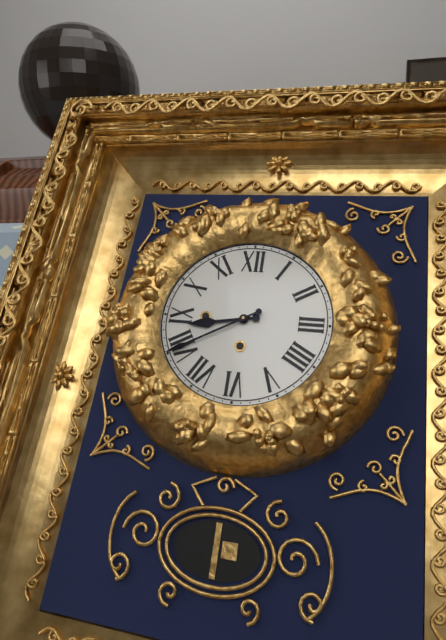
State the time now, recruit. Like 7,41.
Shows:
8,40
